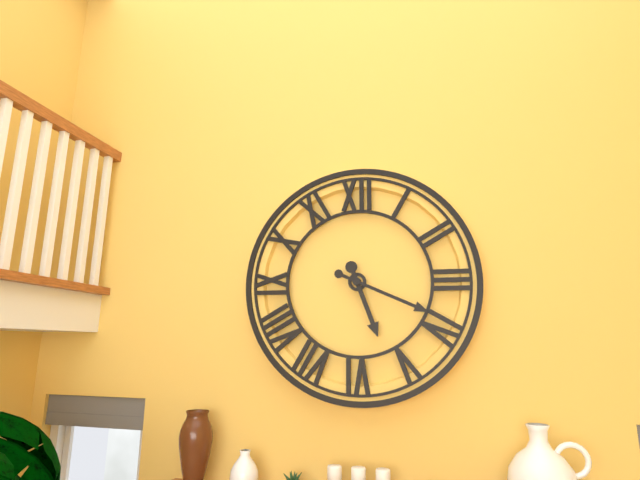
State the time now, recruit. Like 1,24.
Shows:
5,19
